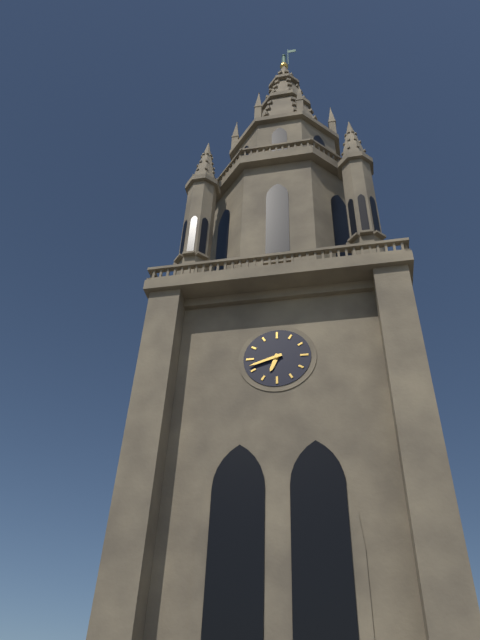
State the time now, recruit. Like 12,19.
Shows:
6,42
